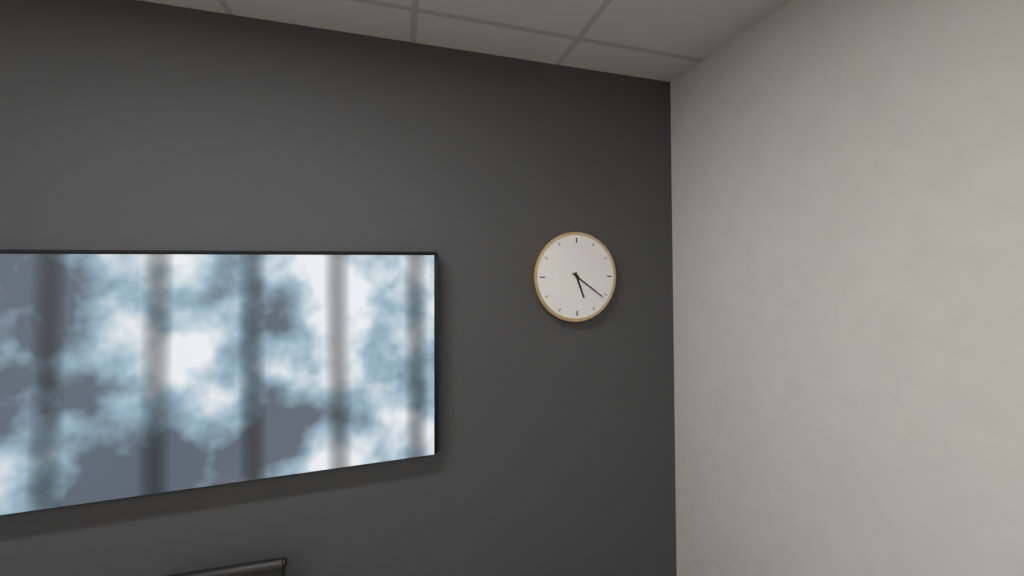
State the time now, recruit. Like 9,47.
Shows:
5,21
